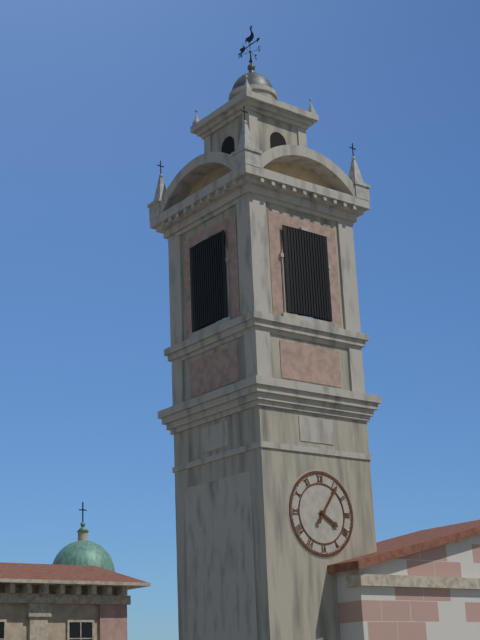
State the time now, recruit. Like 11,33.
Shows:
4,06
